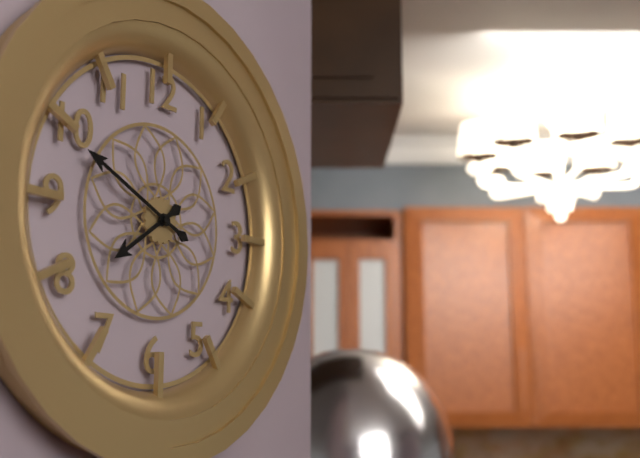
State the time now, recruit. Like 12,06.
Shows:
7,49
